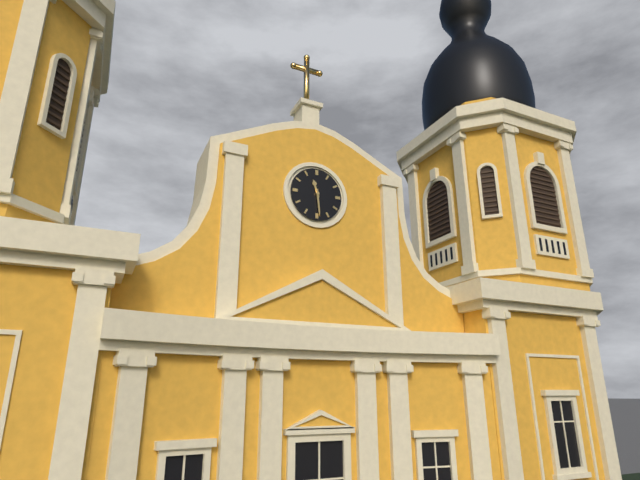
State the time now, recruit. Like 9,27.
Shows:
11,29
